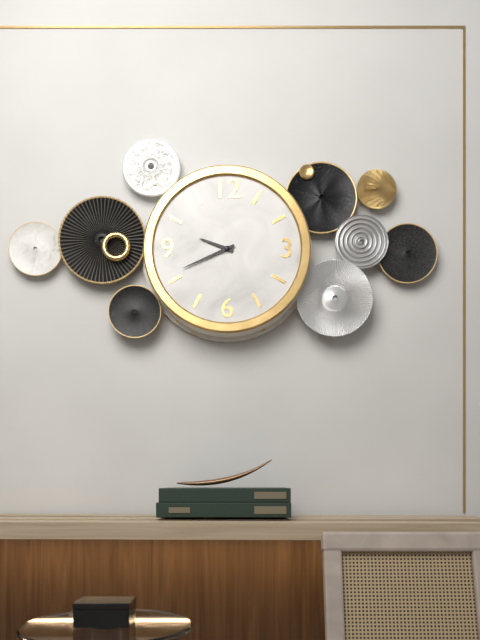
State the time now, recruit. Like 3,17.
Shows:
9,41
